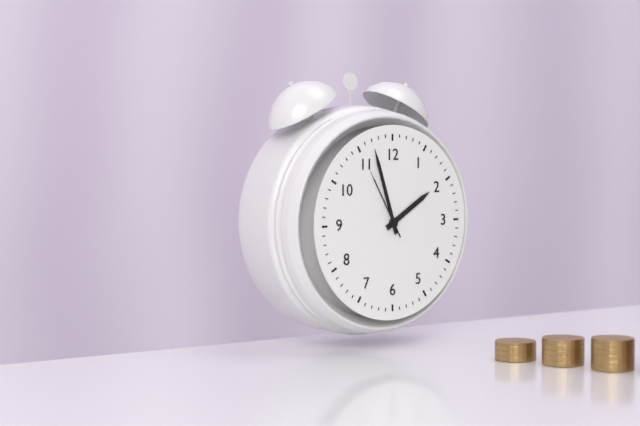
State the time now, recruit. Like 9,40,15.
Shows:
1,57,55
